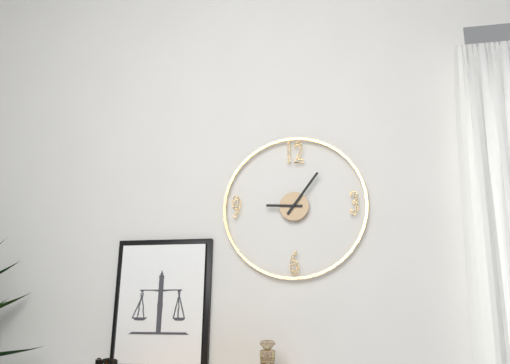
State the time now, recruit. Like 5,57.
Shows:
9,06
